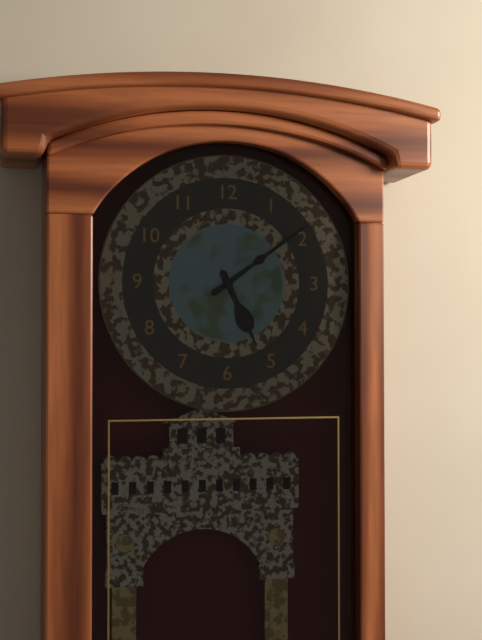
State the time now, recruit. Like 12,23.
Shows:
5,09
